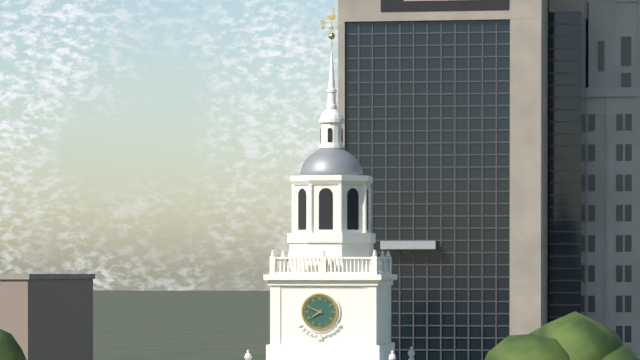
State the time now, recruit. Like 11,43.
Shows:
7,49
